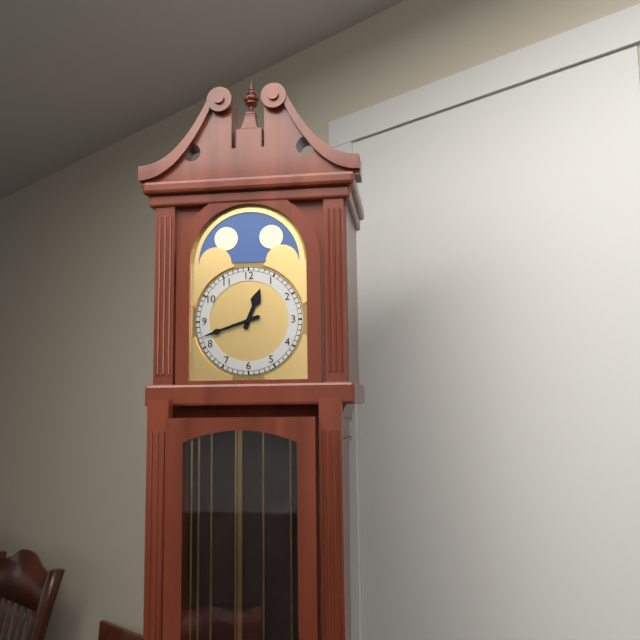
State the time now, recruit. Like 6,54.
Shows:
12,42
